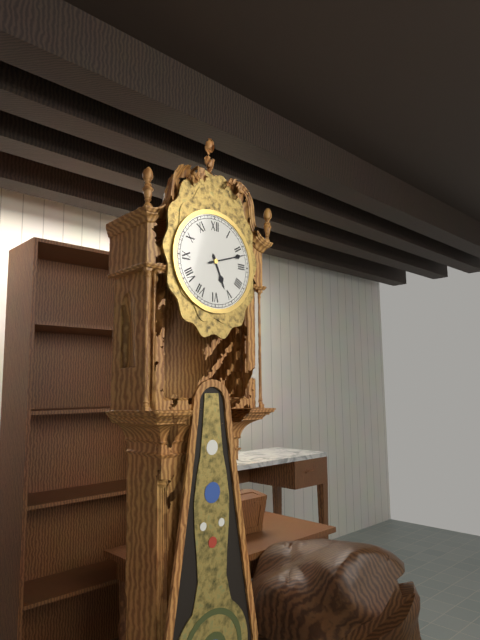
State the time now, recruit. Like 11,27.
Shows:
5,12
